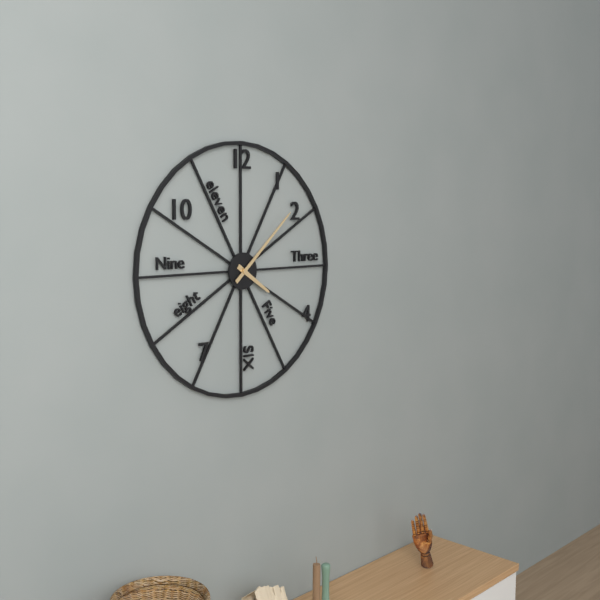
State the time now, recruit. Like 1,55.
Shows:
4,08
